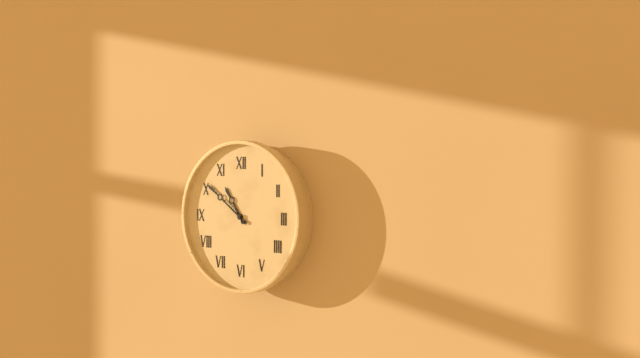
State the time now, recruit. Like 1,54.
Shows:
10,51
